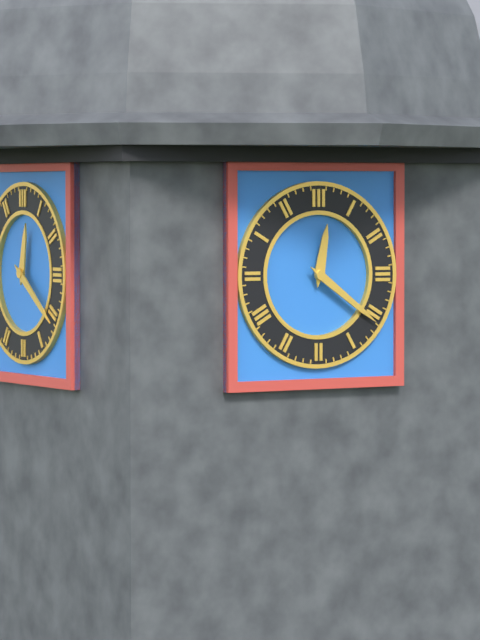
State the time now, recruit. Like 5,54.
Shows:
12,21
